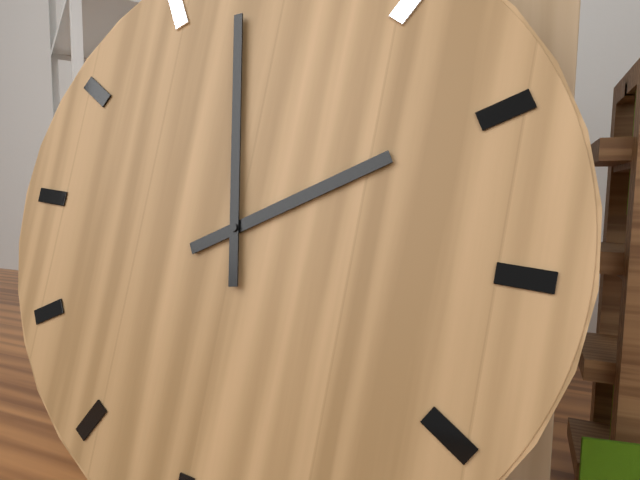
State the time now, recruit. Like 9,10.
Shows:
1,58
